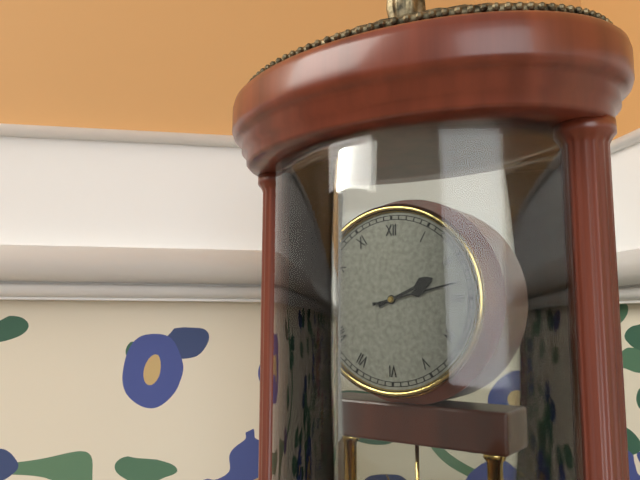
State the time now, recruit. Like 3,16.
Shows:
2,13
